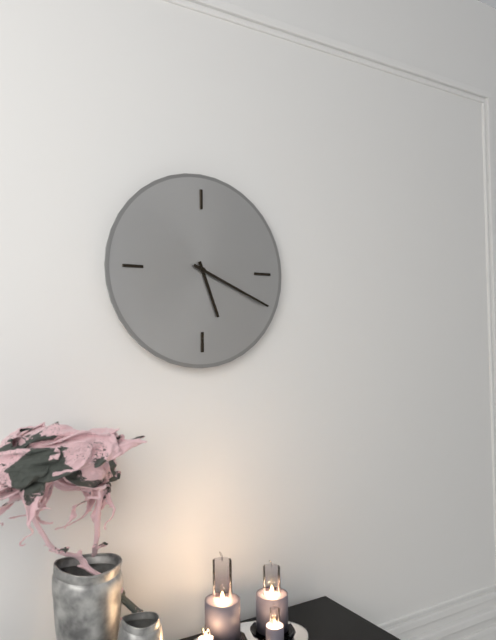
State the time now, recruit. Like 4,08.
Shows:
5,19
